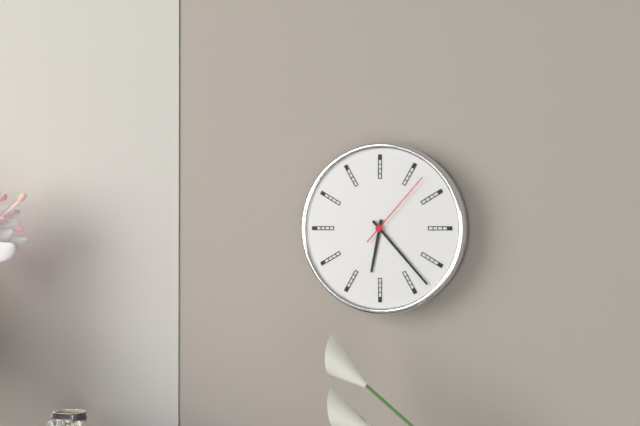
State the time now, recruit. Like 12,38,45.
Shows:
6,23,07
